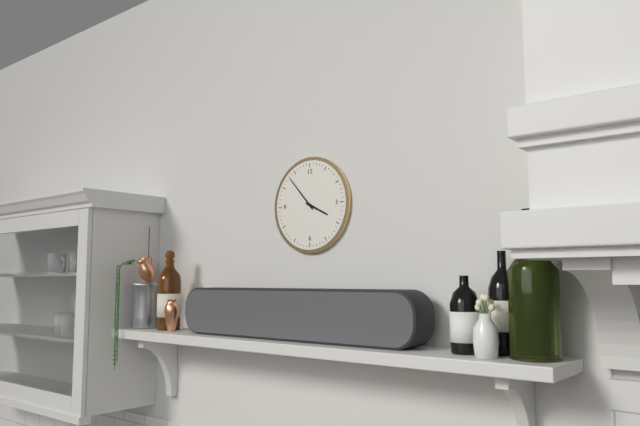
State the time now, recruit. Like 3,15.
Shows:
3,53
